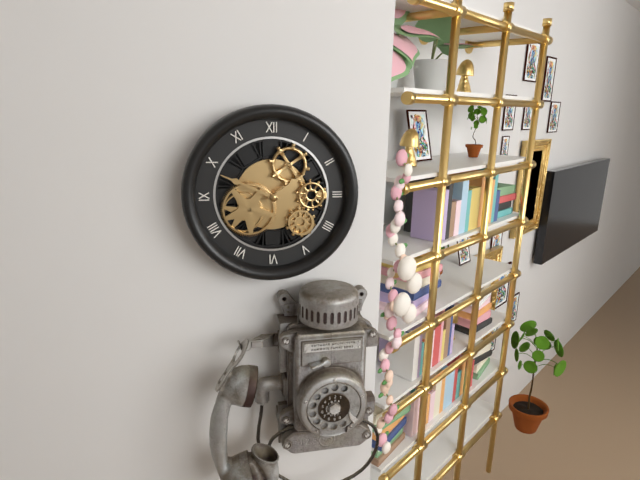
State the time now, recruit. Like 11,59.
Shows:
1,49
